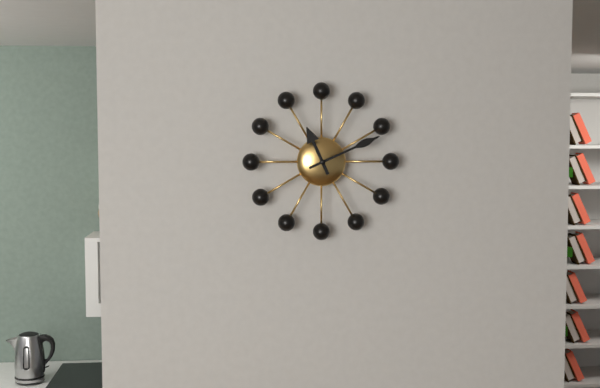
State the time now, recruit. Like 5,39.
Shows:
11,11
